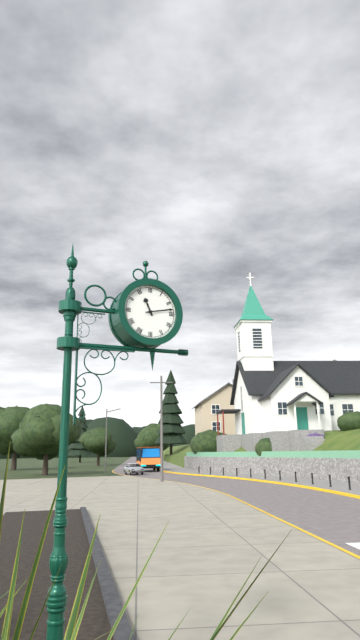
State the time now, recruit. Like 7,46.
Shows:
11,13
